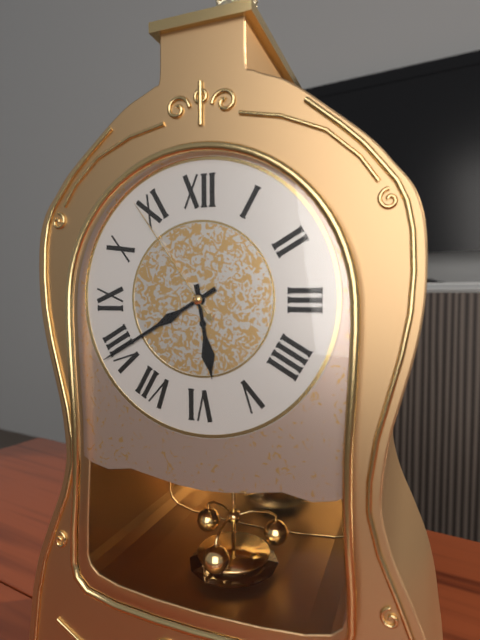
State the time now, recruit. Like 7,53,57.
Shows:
5,40,54
